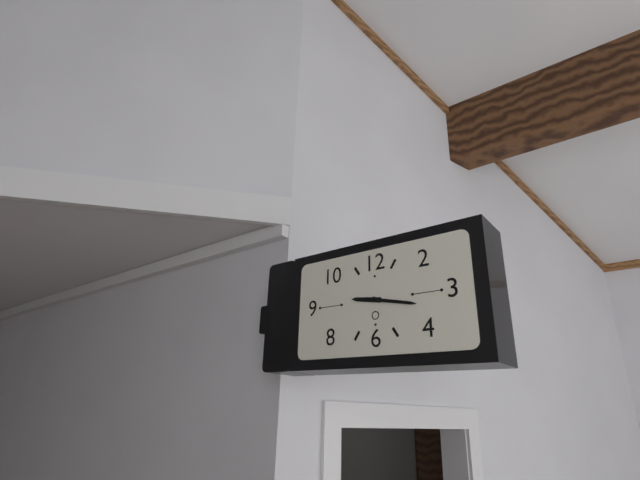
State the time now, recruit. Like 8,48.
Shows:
9,17
